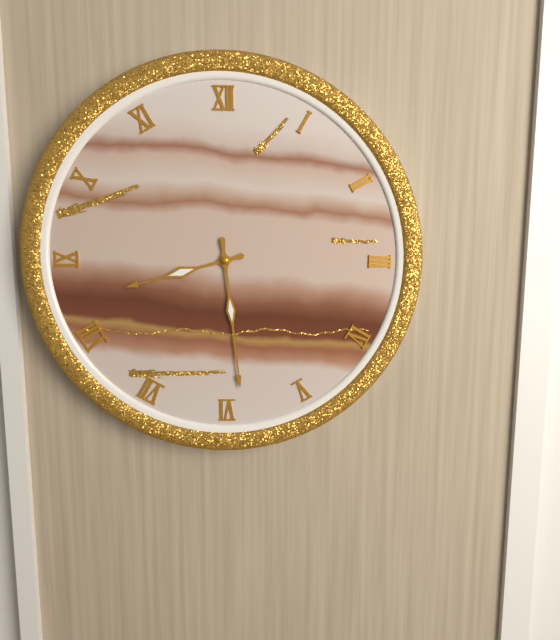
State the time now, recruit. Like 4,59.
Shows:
8,29
